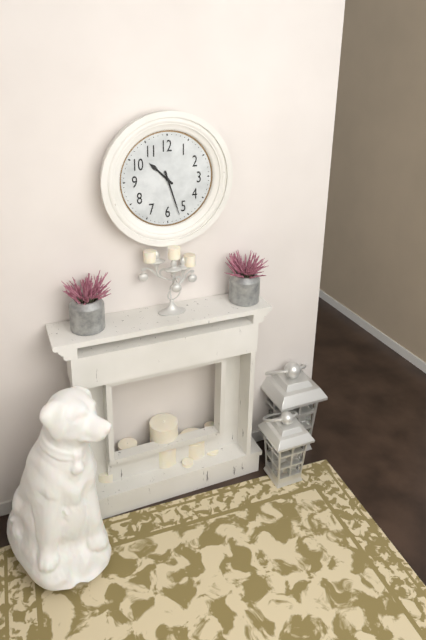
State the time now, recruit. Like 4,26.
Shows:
10,27
